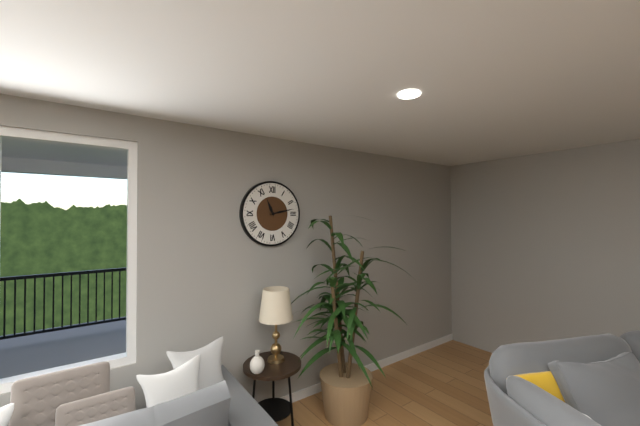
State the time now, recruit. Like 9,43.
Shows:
11,13
